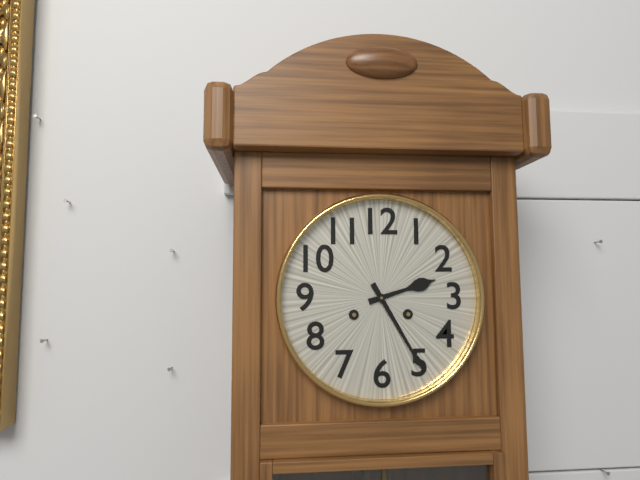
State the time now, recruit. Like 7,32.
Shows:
2,25
